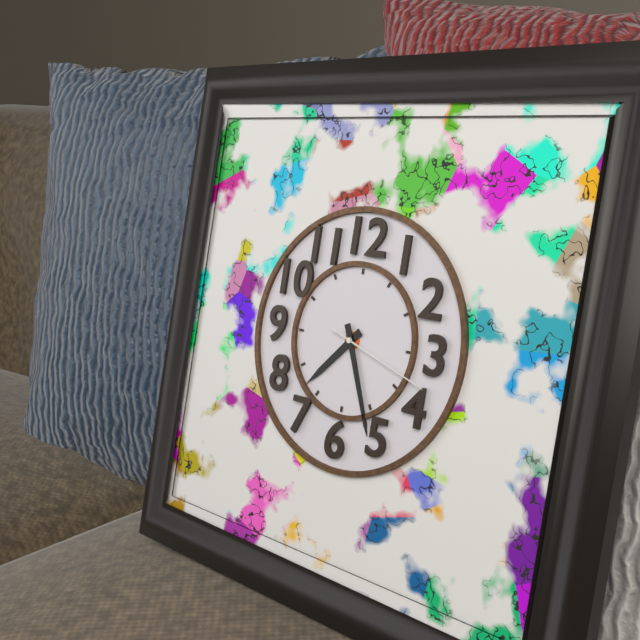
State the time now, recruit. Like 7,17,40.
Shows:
7,26,18
